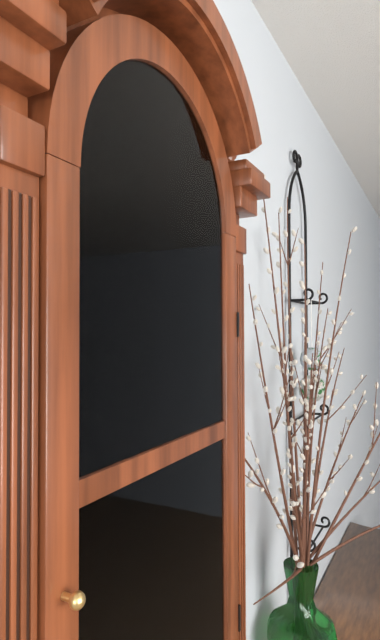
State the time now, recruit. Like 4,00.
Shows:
5,52
